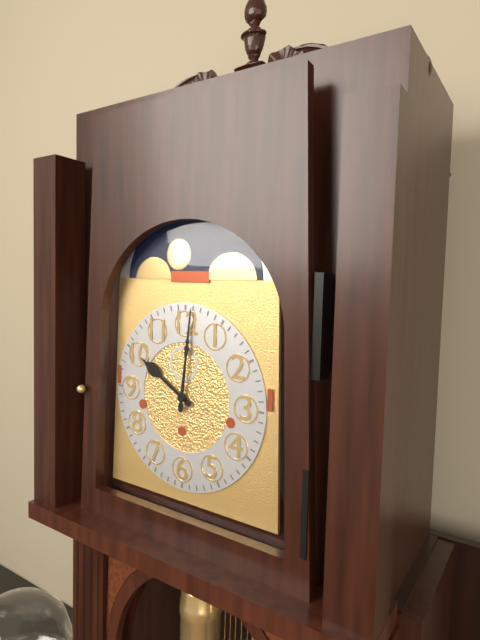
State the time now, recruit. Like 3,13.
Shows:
10,01
